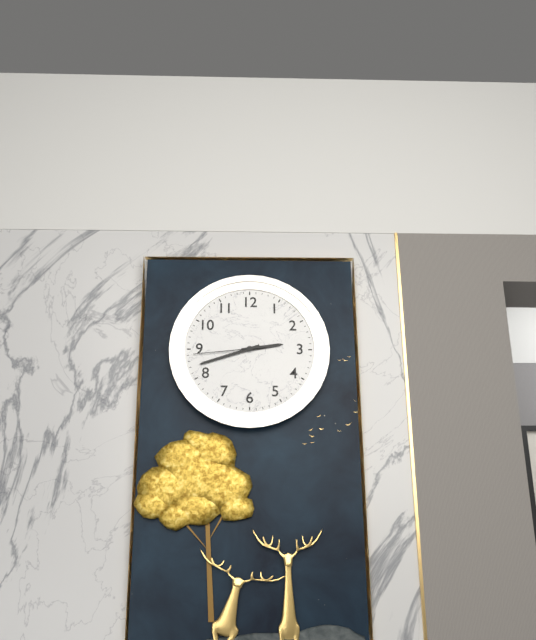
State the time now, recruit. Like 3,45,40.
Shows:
2,42,44
